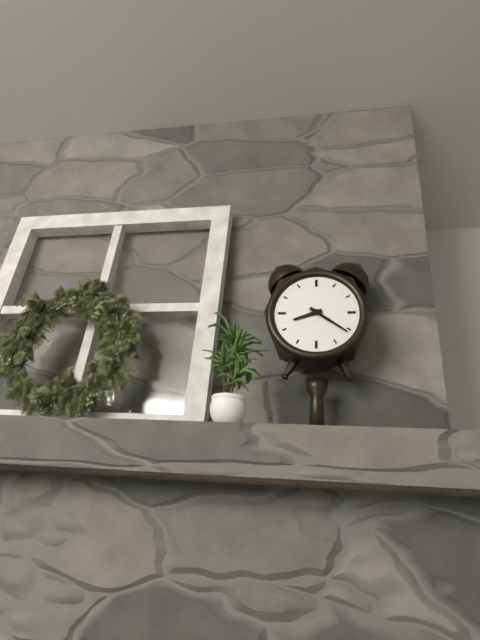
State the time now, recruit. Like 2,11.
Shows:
8,21
